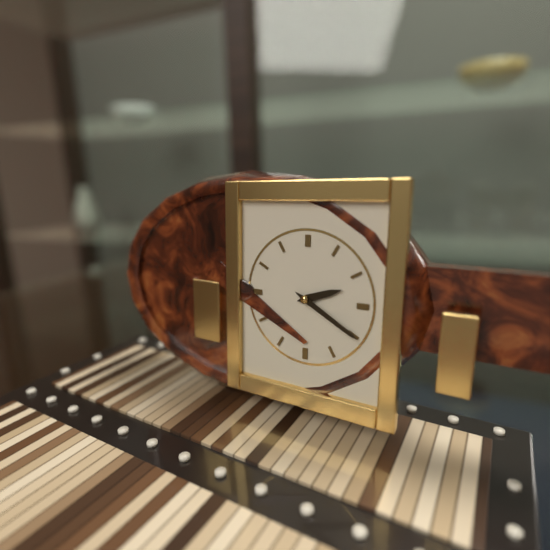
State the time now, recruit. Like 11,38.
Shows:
2,20
